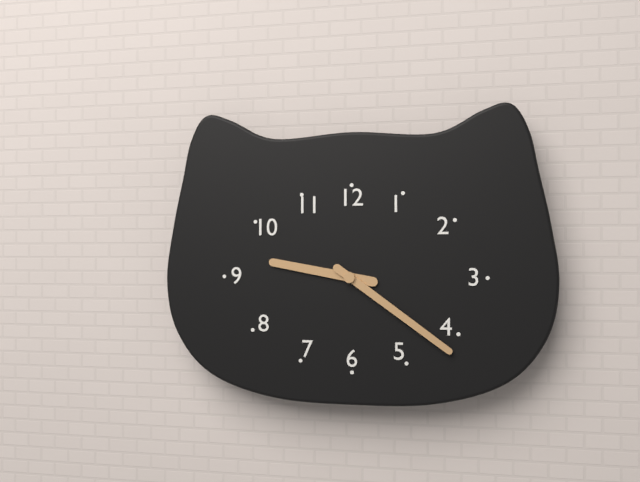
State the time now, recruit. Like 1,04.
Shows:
9,21
